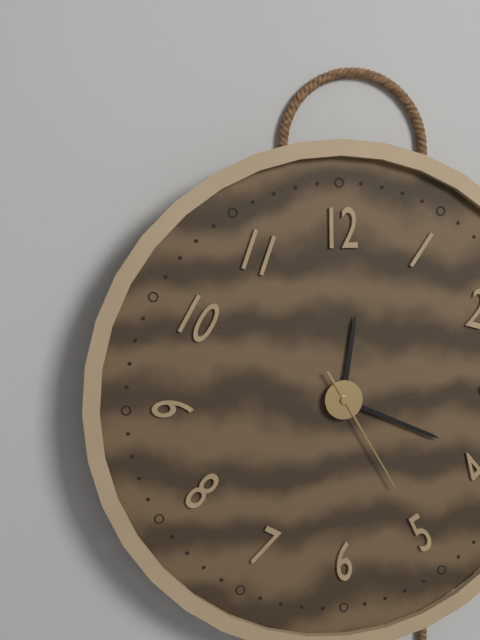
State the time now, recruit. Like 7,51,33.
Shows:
12,19,25
